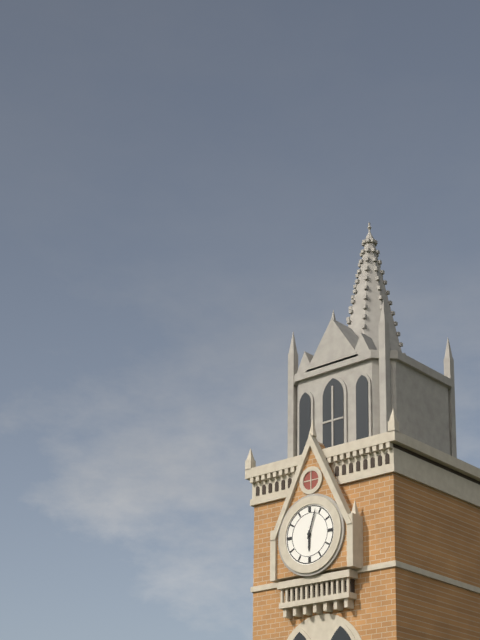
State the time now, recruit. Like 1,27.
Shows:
6,03
